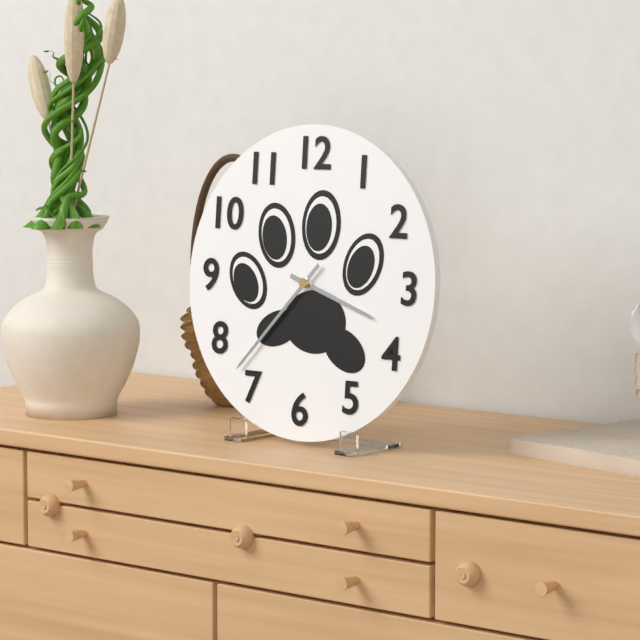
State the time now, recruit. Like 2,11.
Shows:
3,37
